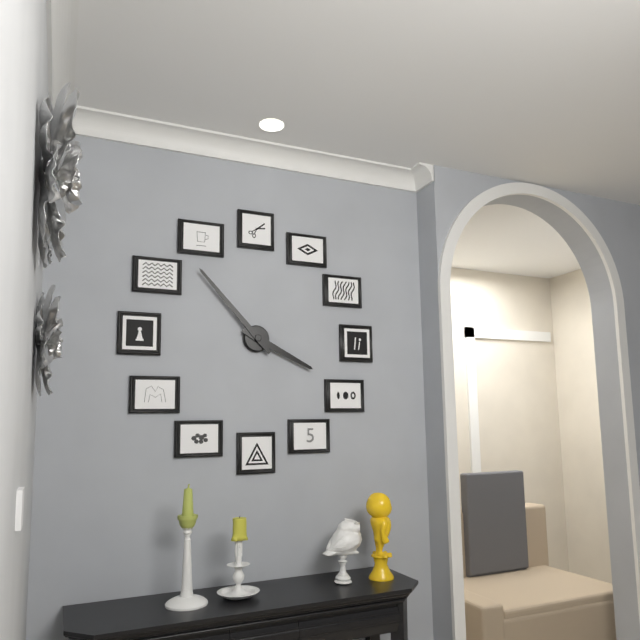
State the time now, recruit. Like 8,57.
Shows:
3,53
